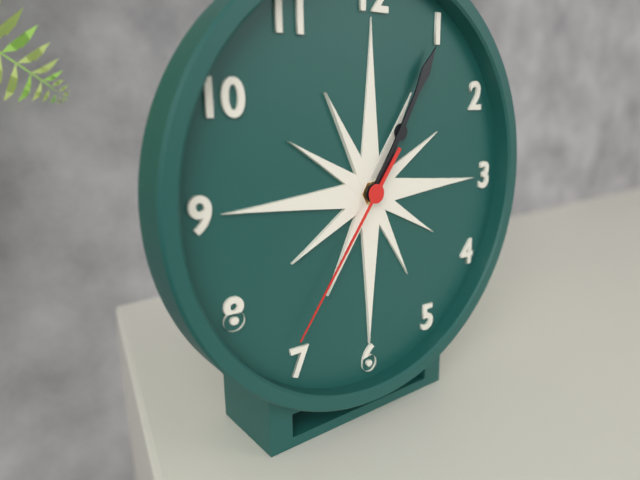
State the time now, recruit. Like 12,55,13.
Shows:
1,05,36
